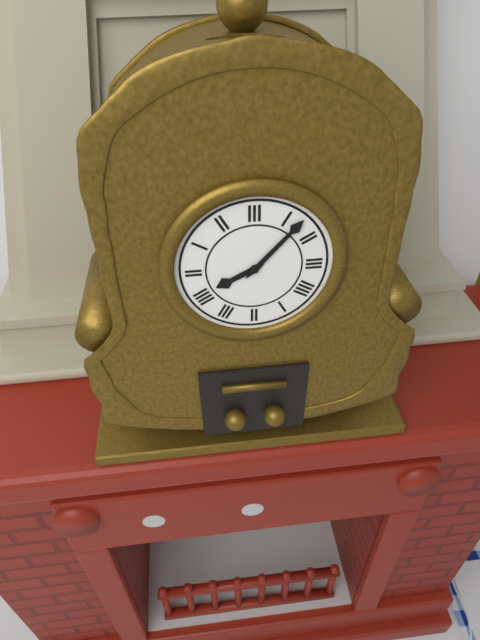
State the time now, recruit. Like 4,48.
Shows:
8,07
